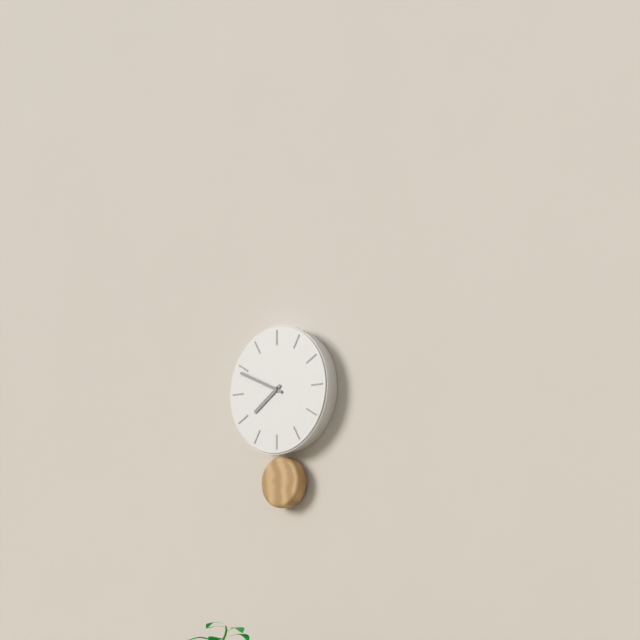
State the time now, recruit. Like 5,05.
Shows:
7,49
